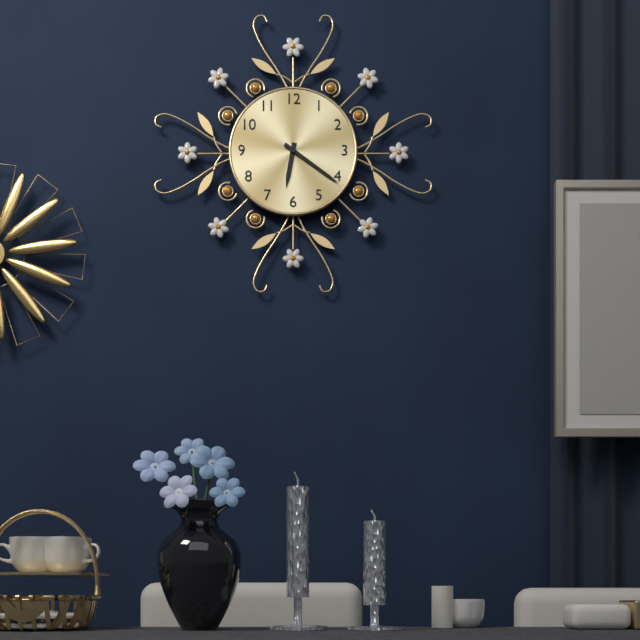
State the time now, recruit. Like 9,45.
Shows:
6,21
